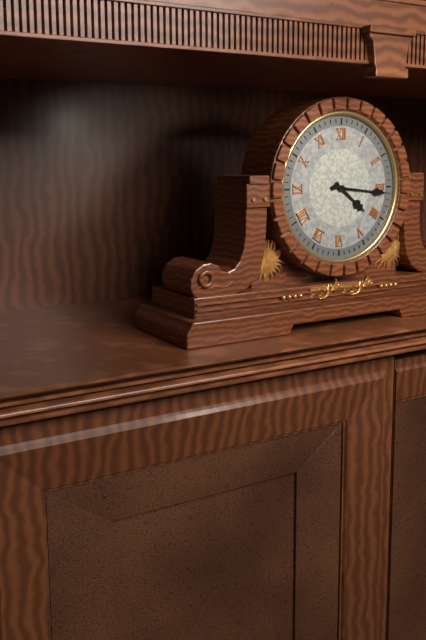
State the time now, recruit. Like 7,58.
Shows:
4,16
